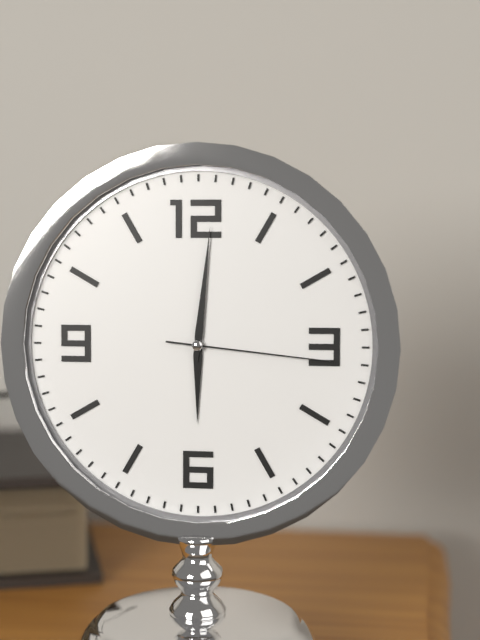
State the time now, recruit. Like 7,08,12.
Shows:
6,01,16
